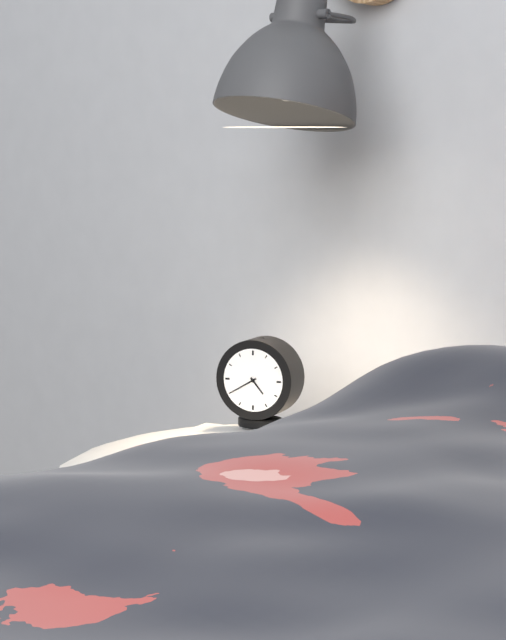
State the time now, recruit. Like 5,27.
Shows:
4,40
